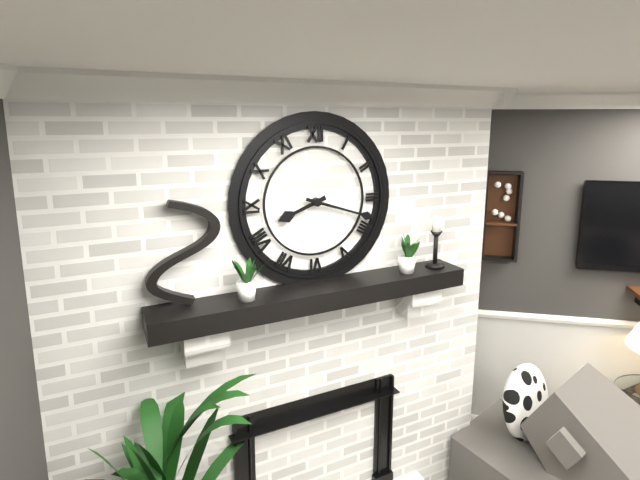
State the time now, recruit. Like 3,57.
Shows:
8,18
